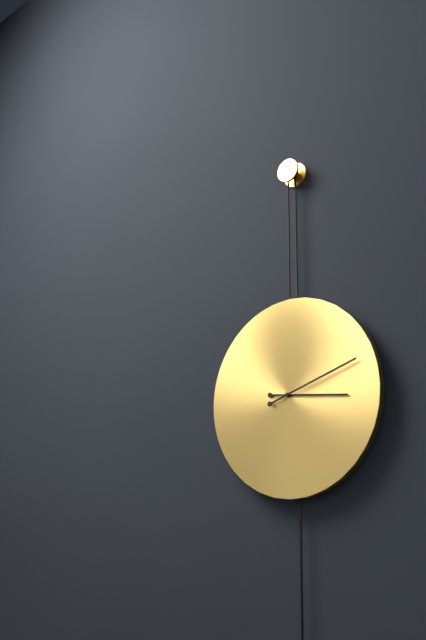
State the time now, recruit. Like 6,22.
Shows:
3,12
